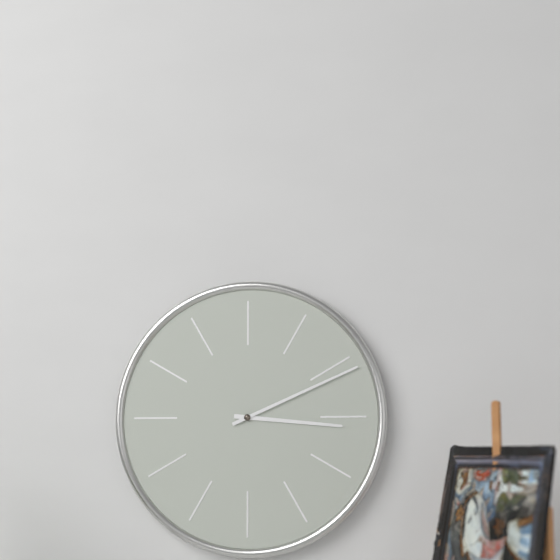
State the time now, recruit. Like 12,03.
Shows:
3,11
